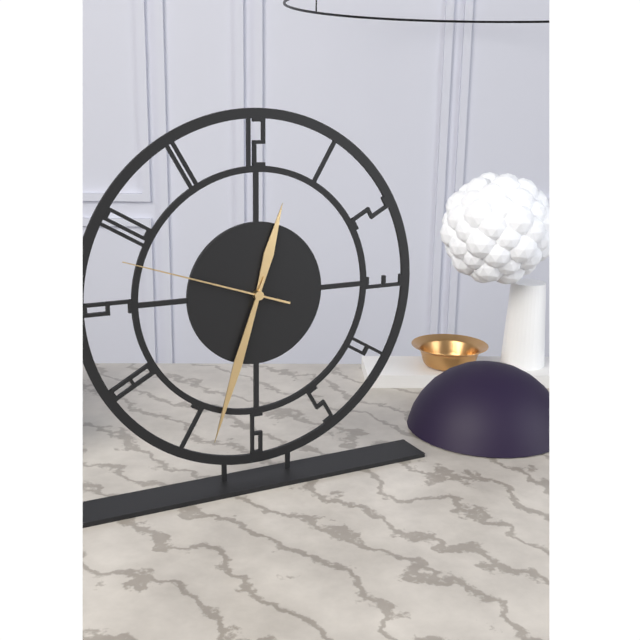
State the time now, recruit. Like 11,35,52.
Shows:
12,33,48
